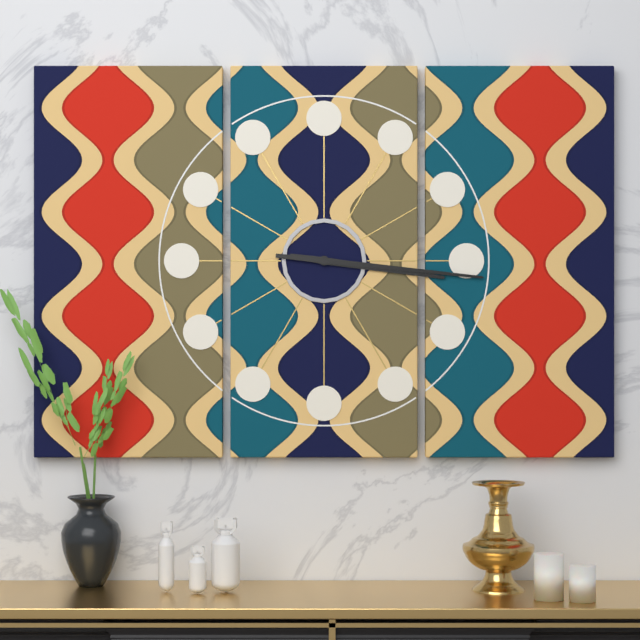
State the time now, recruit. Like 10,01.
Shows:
3,16
